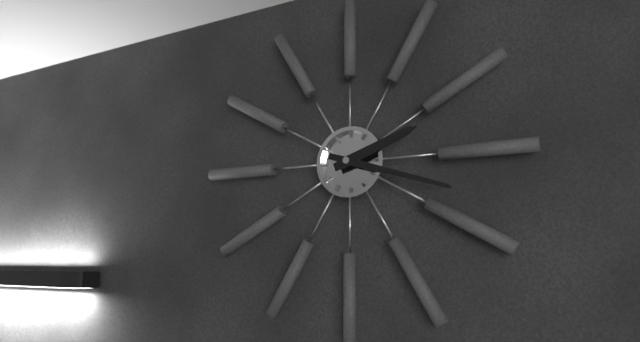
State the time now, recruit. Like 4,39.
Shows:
2,18
